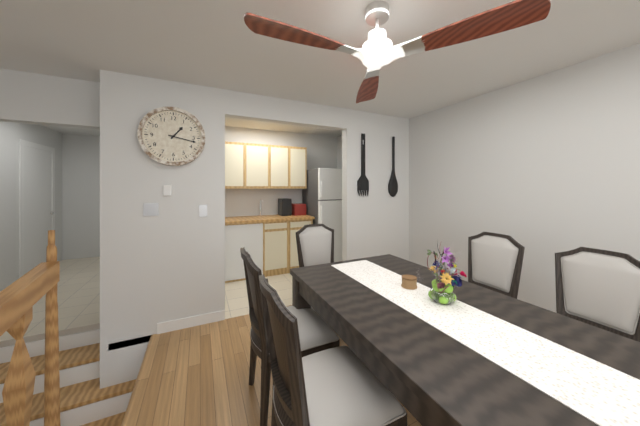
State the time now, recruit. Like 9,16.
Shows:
1,17
